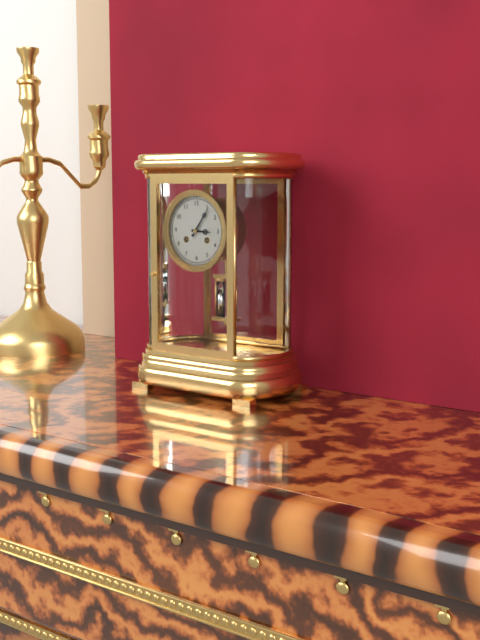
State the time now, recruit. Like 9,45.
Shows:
3,06
